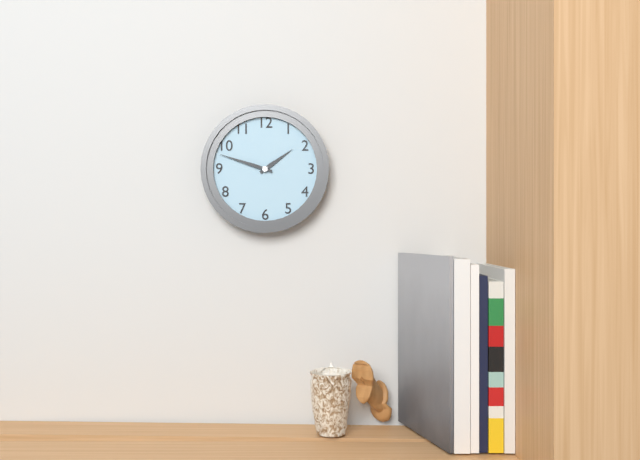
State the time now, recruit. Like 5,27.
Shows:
1,48
